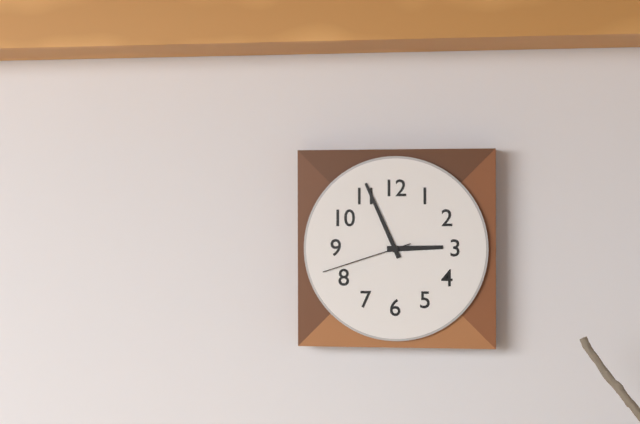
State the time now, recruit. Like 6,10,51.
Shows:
2,56,42
